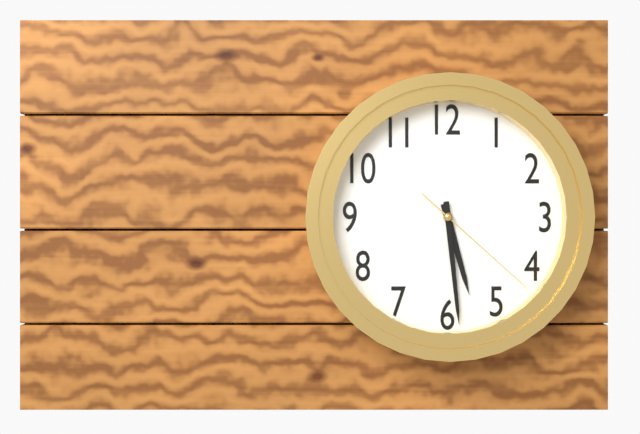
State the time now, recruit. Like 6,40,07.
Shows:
5,29,22
